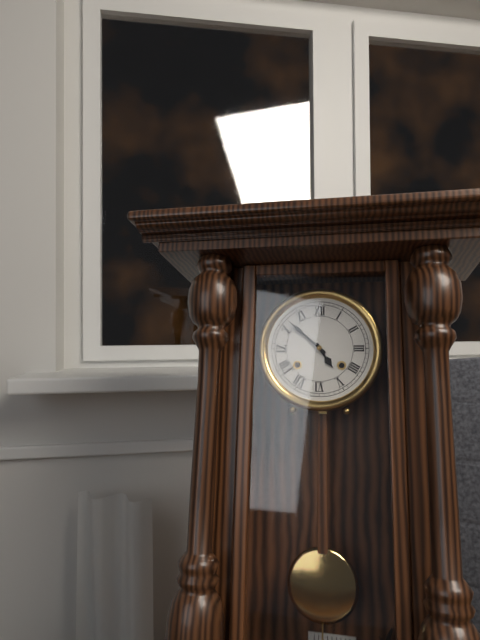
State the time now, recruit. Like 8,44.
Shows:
4,52
